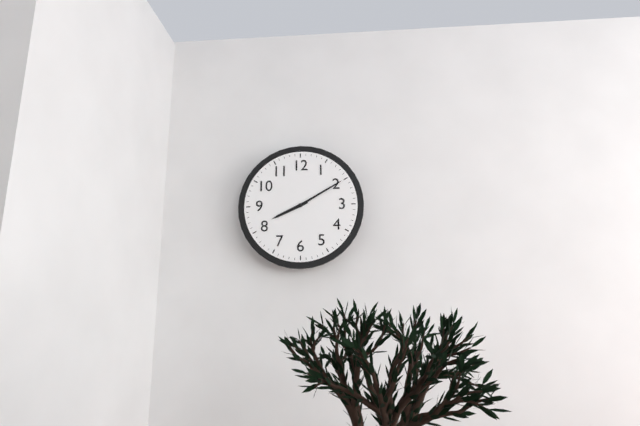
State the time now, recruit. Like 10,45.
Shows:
8,10
